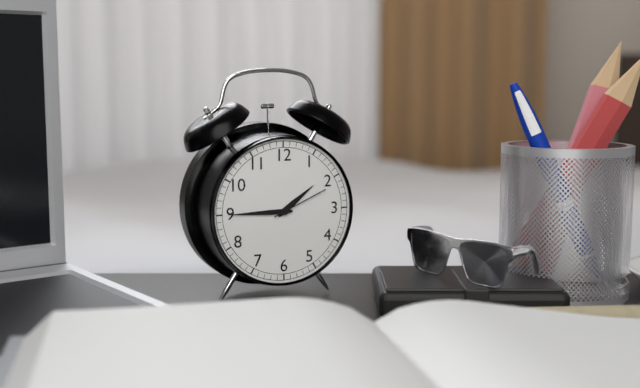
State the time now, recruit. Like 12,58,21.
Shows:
1,45,11
